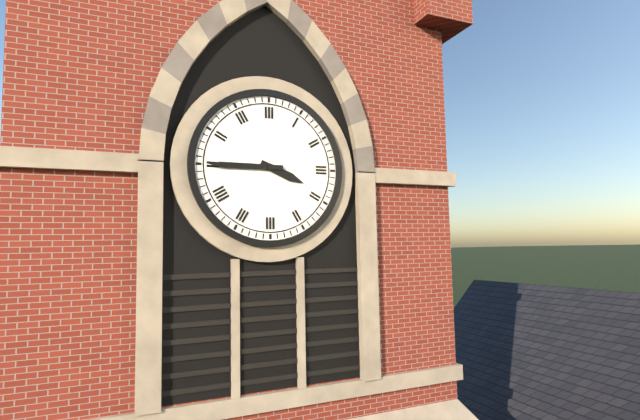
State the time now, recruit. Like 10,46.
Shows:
3,45
